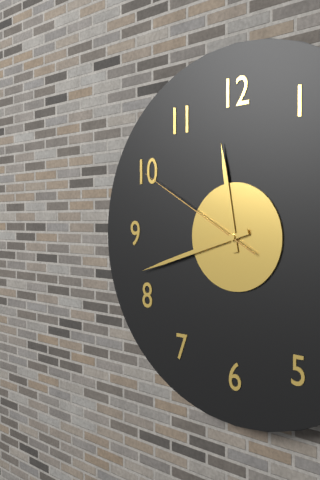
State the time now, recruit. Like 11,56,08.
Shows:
11,42,50
